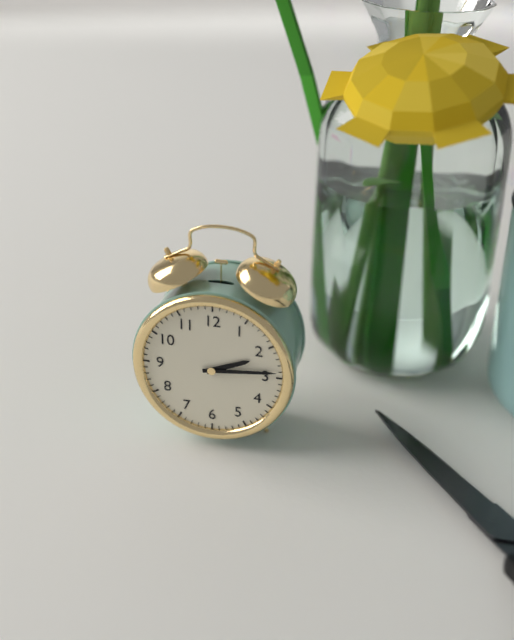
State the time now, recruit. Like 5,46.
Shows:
2,14
